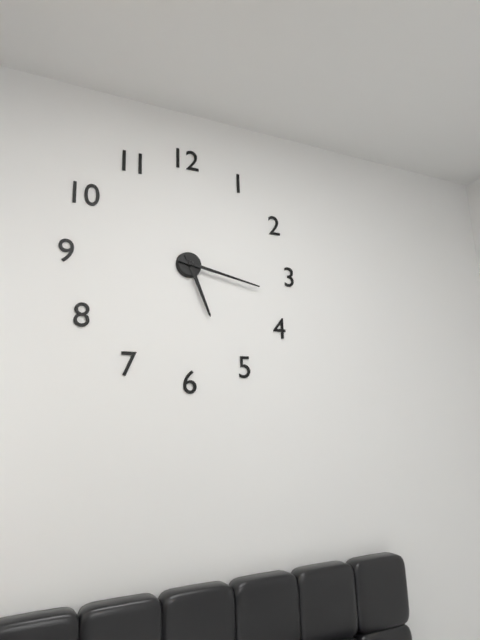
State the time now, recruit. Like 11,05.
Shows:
5,17
